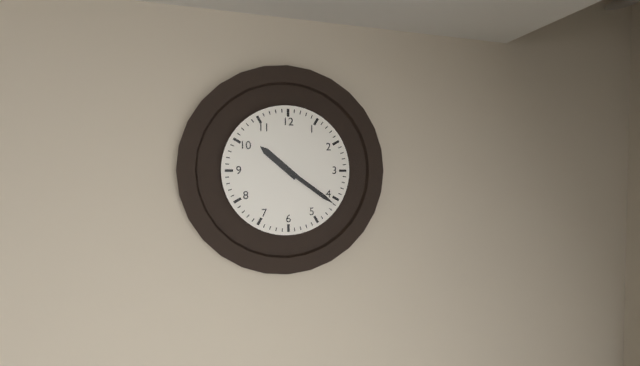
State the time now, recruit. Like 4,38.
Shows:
10,21
